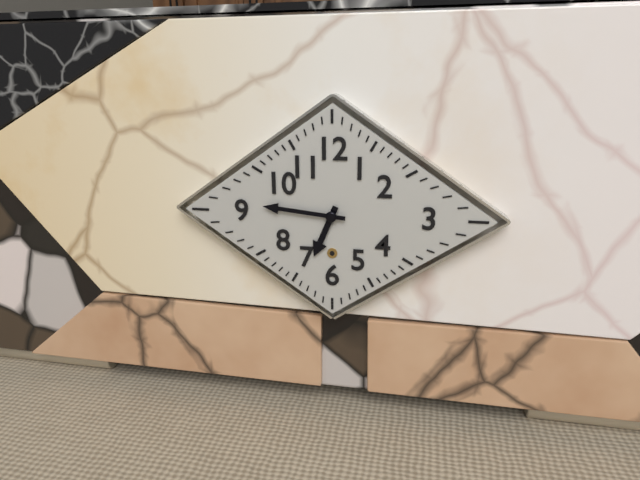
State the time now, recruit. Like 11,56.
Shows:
6,46
